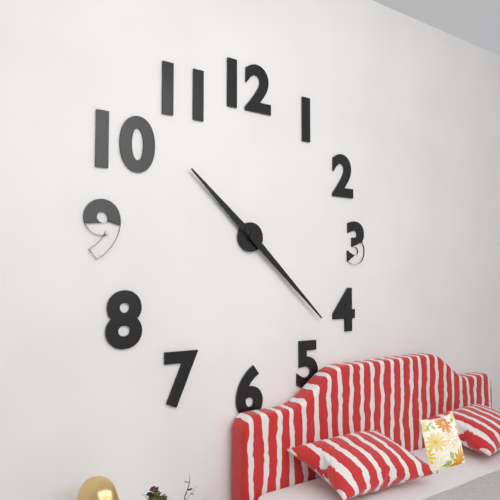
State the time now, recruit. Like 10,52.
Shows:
10,22
